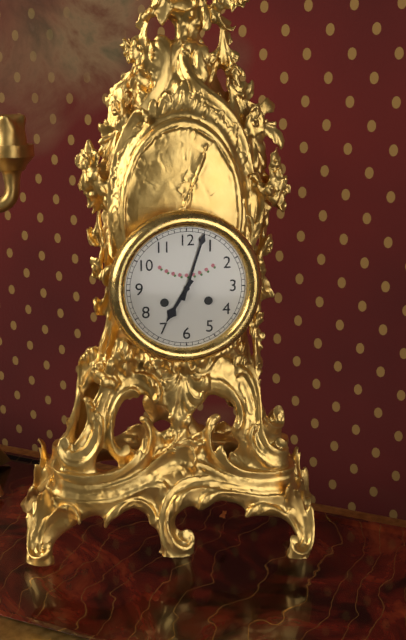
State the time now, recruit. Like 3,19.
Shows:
7,03
